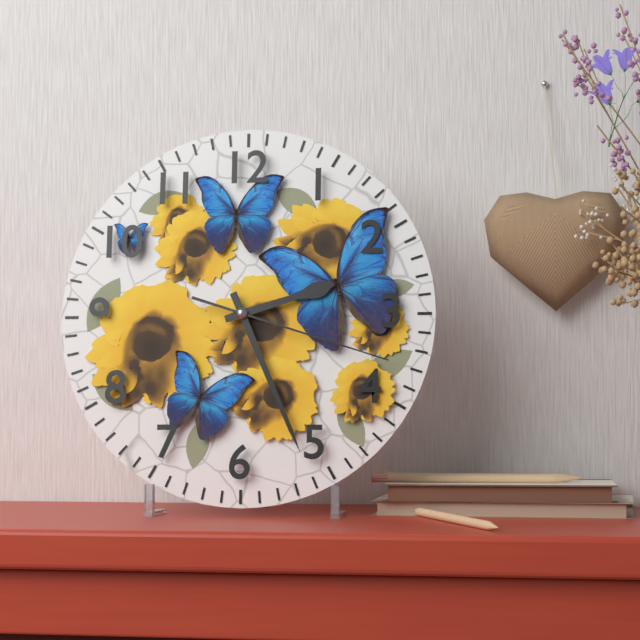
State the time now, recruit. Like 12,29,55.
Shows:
2,26,18
